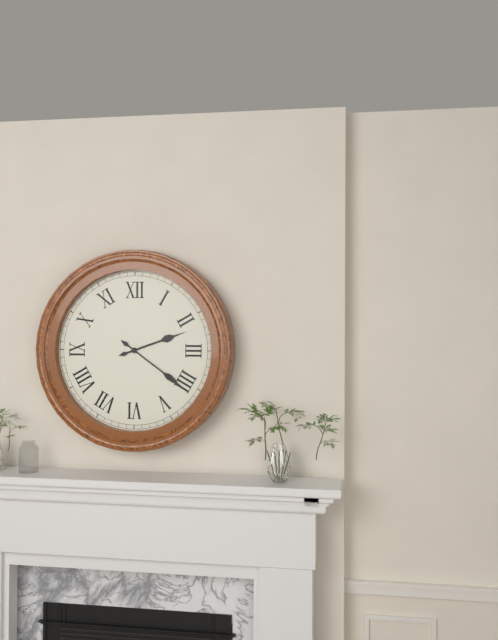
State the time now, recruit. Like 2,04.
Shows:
2,21
